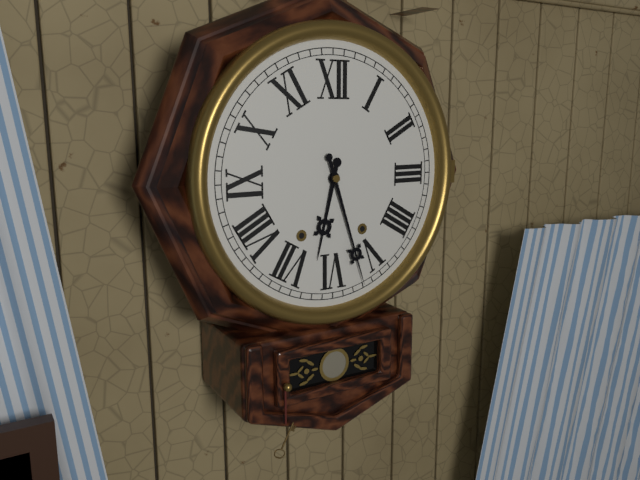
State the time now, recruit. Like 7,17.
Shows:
6,27
